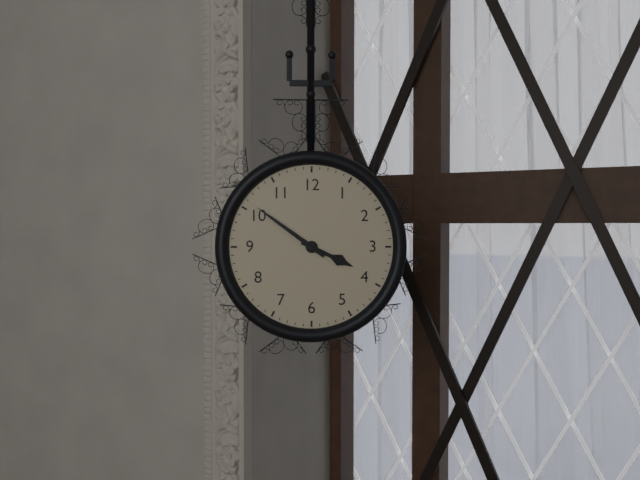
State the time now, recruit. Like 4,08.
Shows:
3,51
